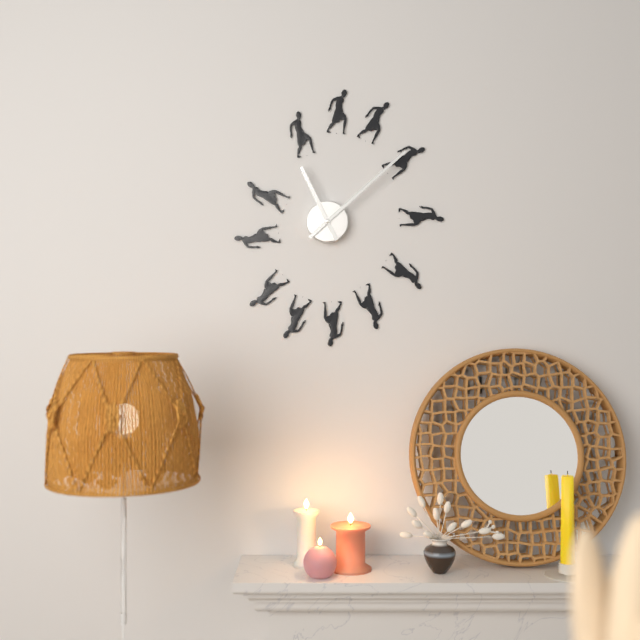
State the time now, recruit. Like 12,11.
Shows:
11,08
